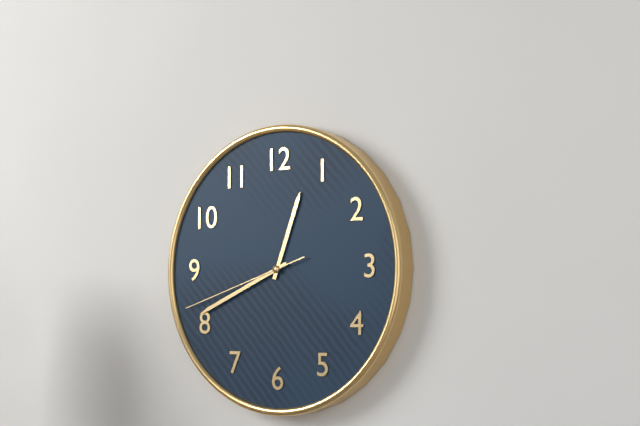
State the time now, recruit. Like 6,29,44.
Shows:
12,41,42
